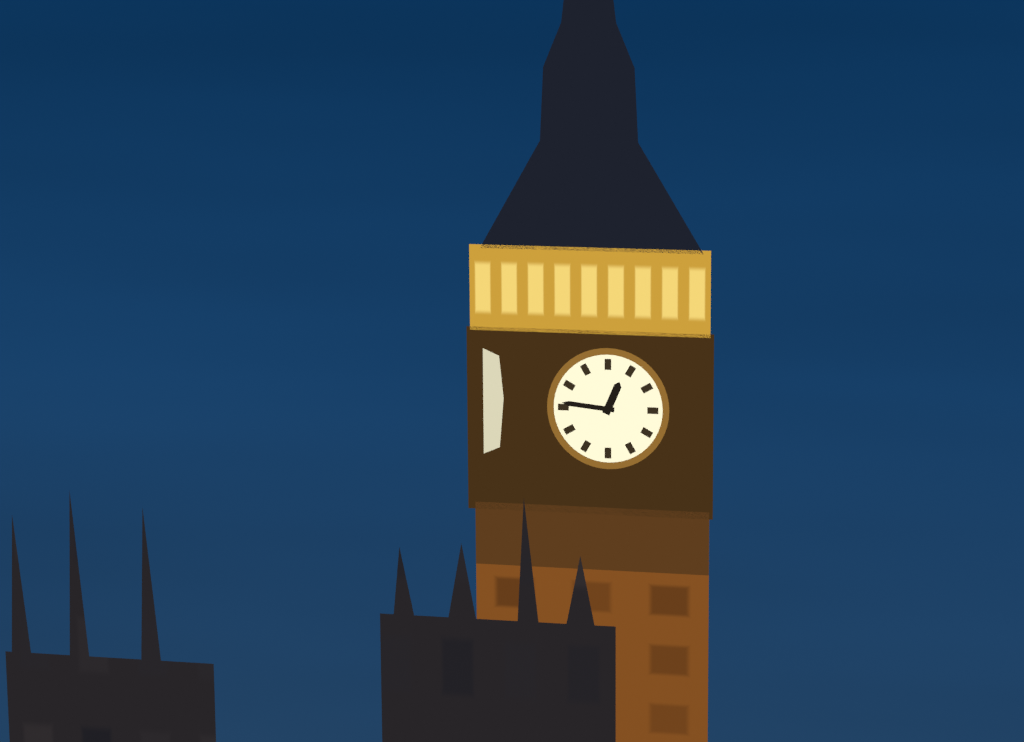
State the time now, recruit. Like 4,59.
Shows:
12,46
